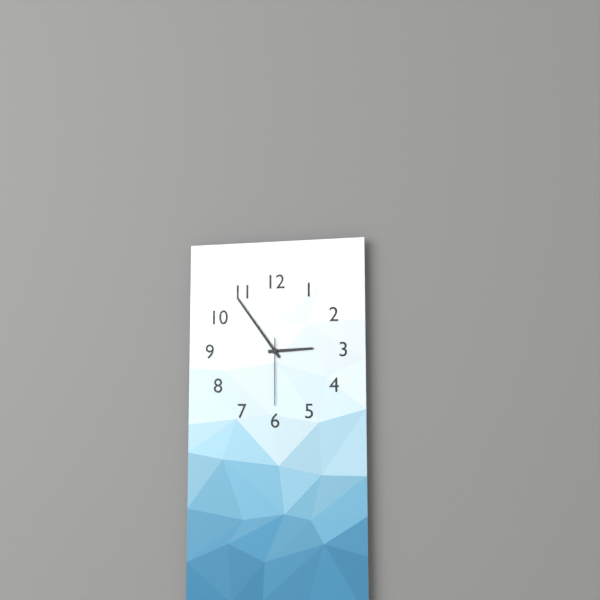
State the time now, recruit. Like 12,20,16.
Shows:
2,54,30
